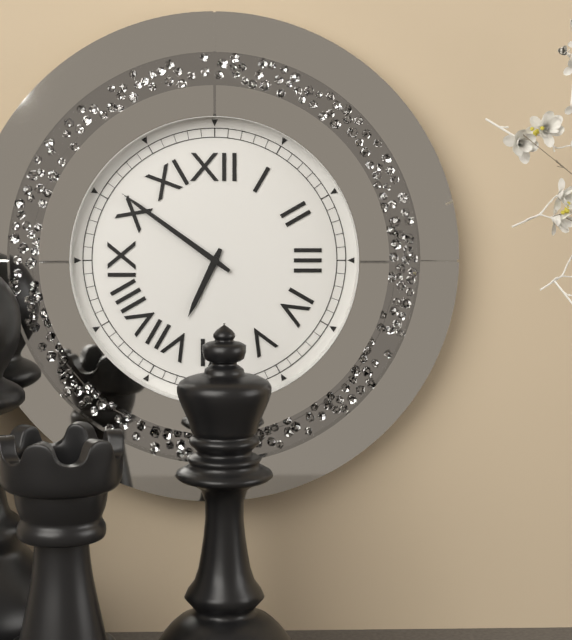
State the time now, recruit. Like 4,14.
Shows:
6,51
